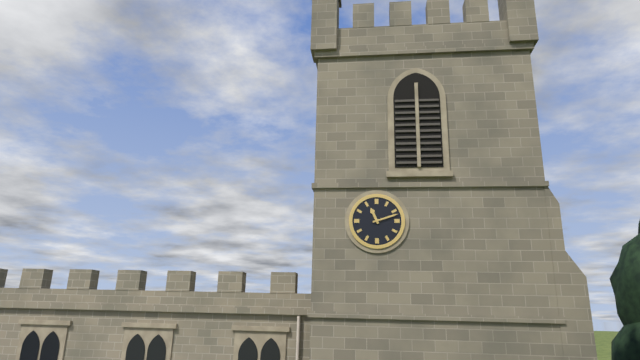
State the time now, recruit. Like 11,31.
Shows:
11,12
